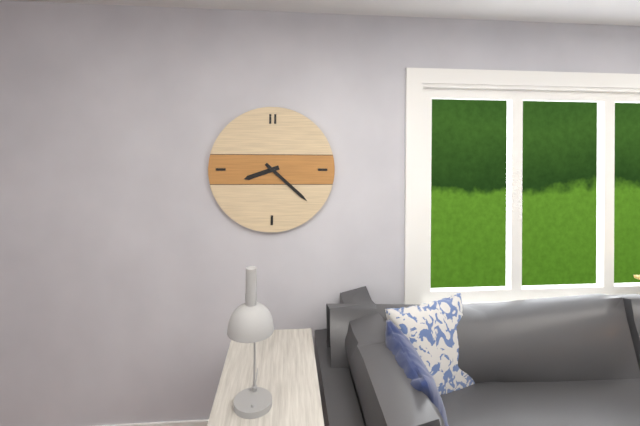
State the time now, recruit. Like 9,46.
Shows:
8,22
